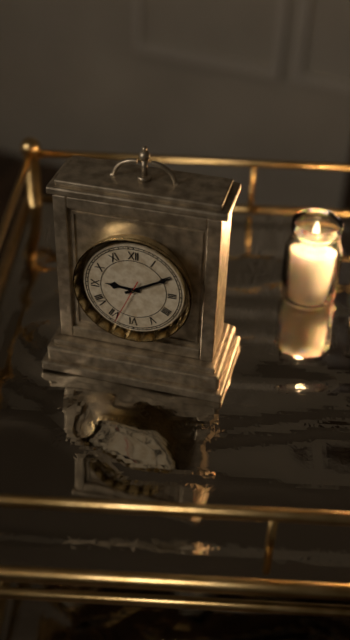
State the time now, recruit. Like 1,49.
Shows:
9,10
